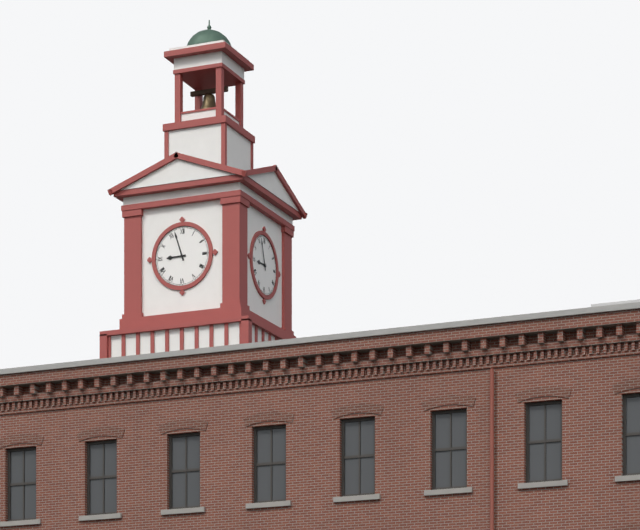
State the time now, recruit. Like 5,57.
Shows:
8,57
